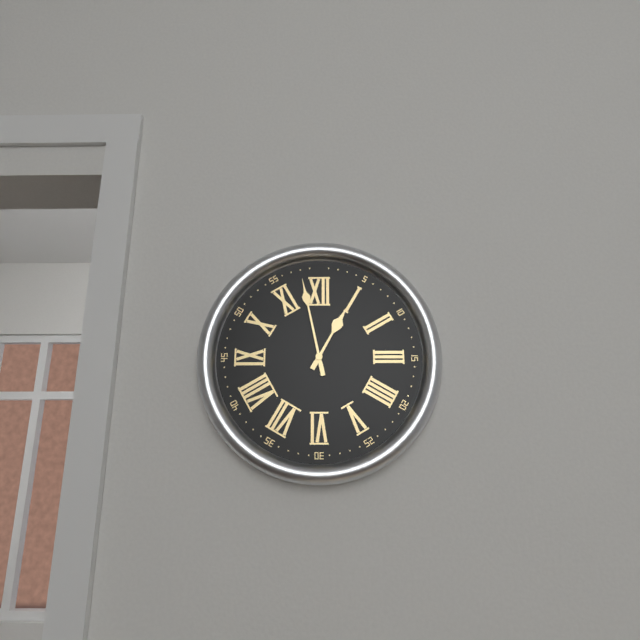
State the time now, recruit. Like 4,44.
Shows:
12,58
